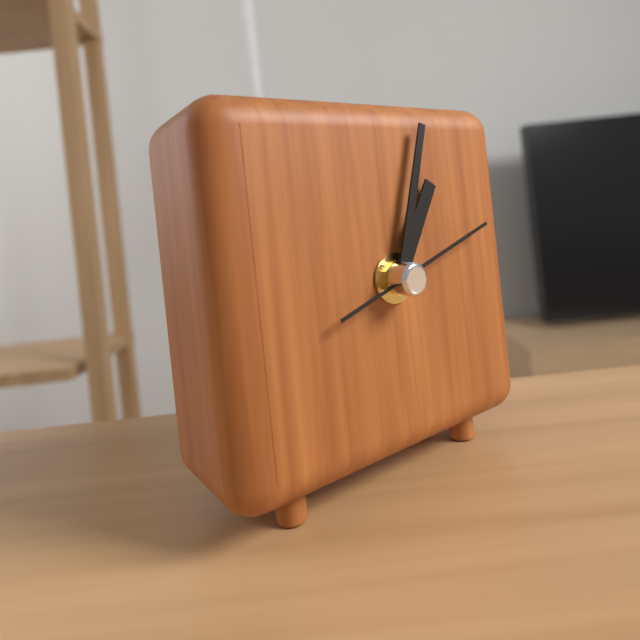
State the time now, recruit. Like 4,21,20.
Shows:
1,03,12
